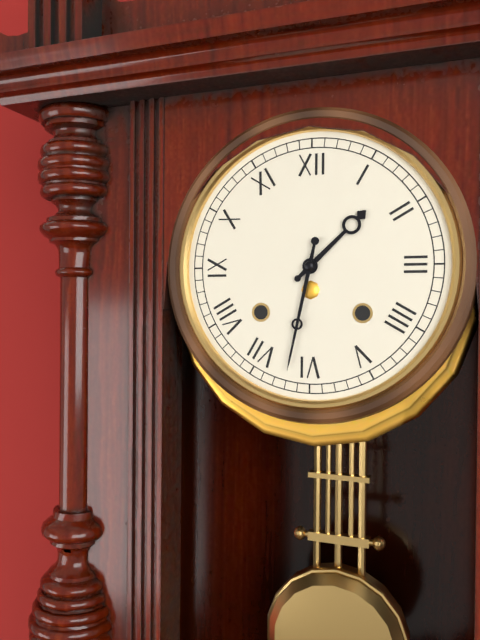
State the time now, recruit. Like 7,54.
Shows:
1,32
